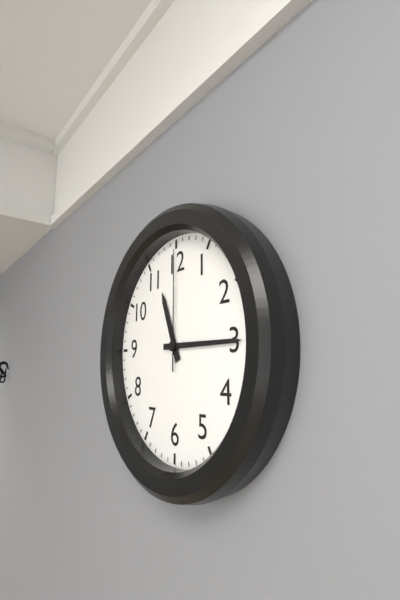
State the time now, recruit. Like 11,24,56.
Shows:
11,15,00
